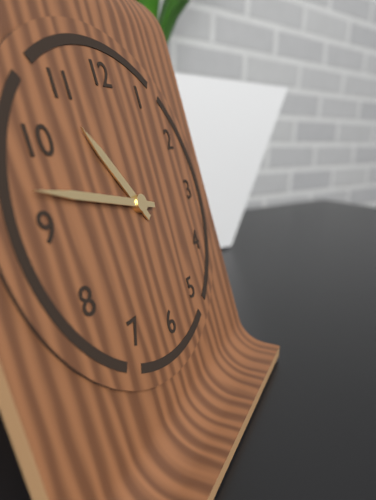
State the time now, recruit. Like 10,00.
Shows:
10,47
